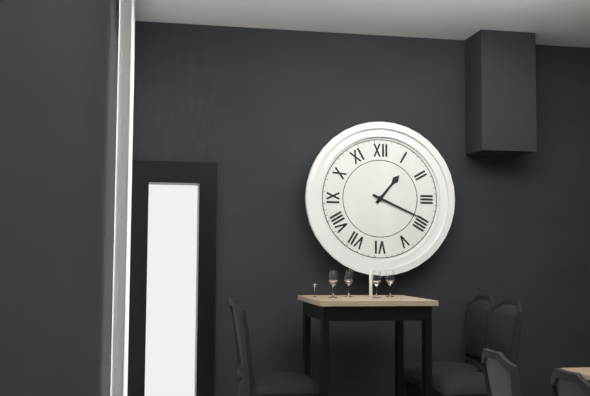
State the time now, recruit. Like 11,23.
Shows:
1,19
